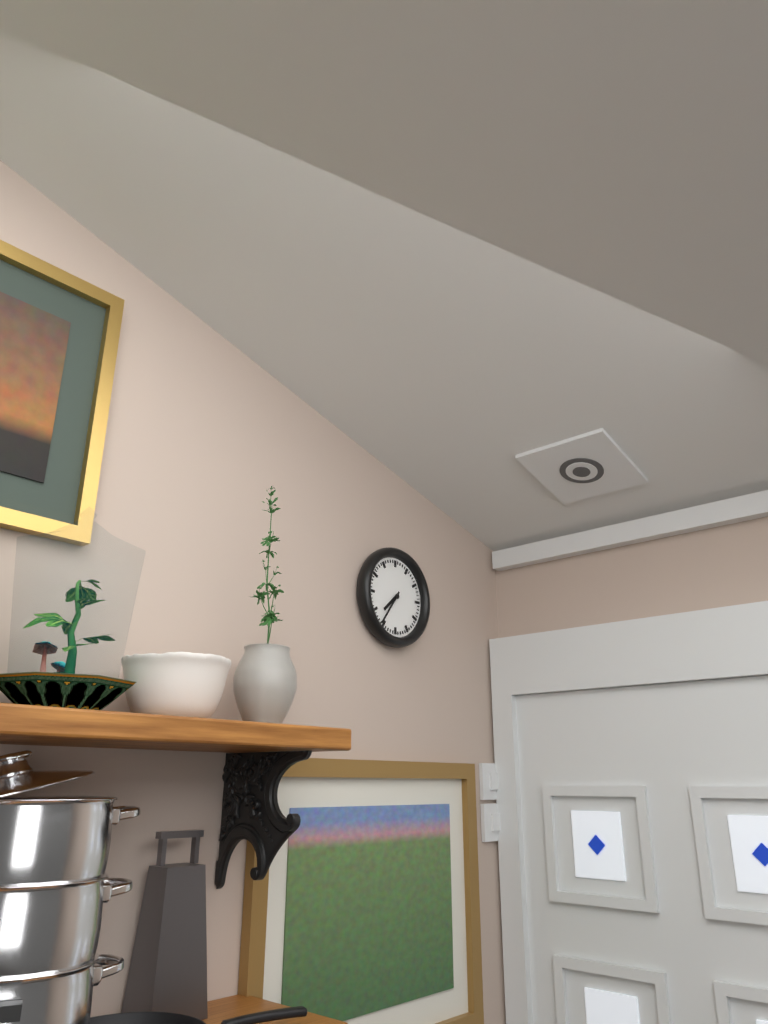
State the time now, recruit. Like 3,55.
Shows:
7,36
